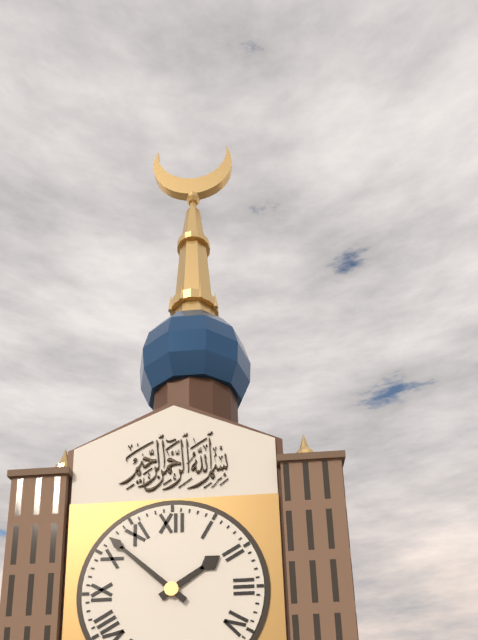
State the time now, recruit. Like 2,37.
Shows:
1,52
